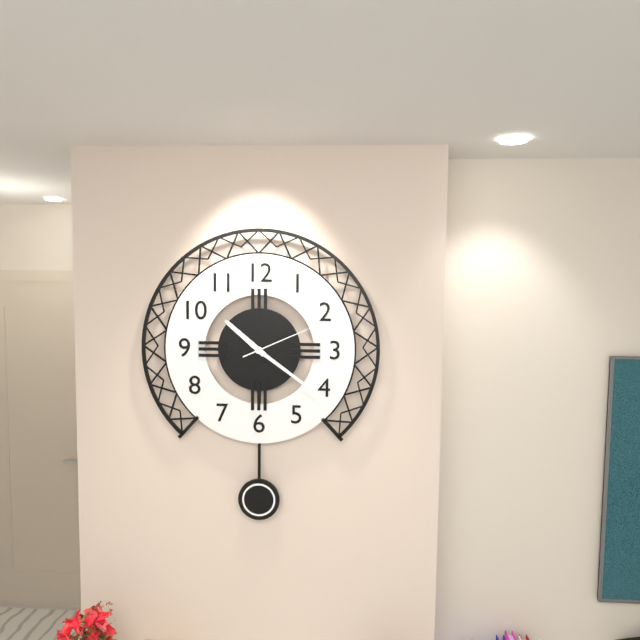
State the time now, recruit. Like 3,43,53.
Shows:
10,21,11
